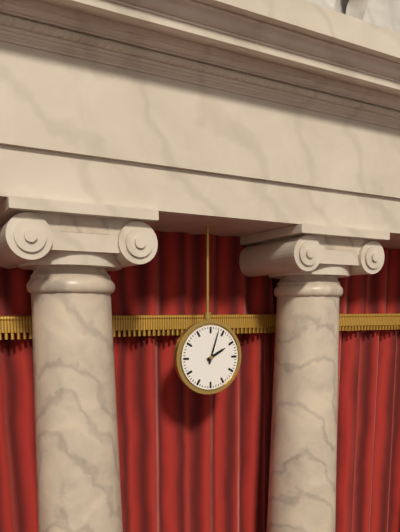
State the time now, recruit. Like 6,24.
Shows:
2,03
